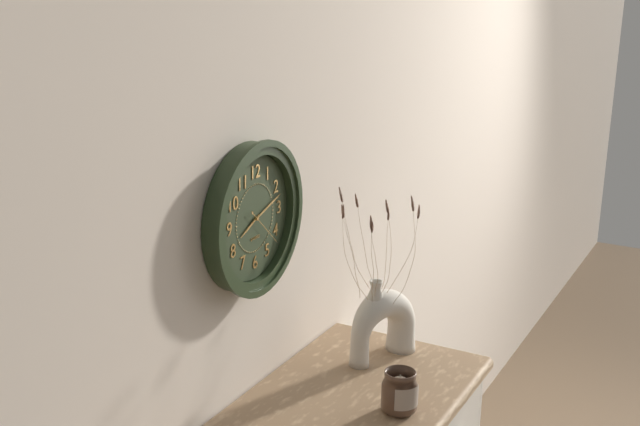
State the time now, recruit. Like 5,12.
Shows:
8,12
